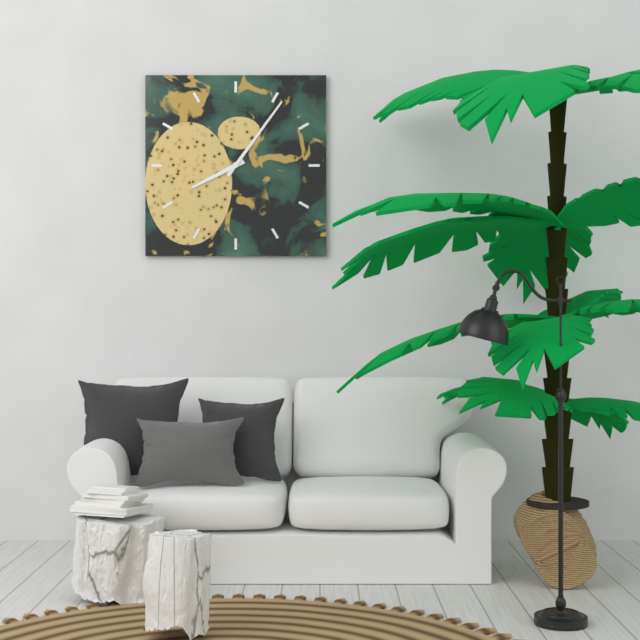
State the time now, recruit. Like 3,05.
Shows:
8,06
